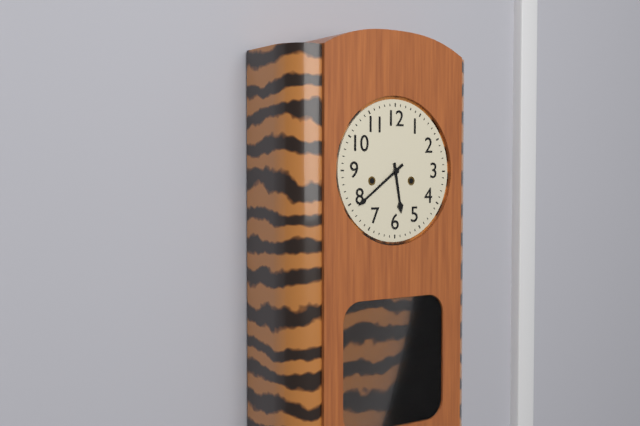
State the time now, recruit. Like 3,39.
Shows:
5,39
